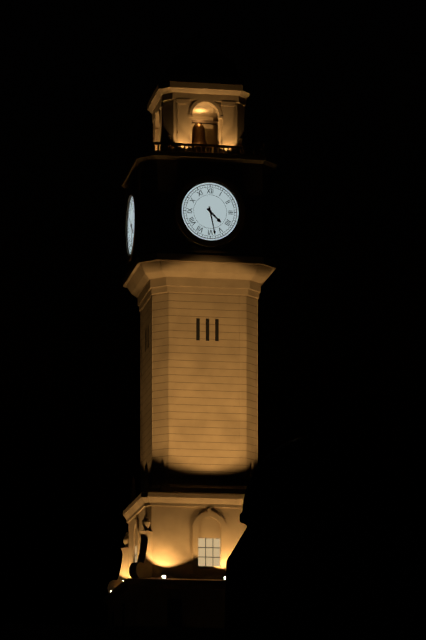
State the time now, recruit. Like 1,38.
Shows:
4,28
